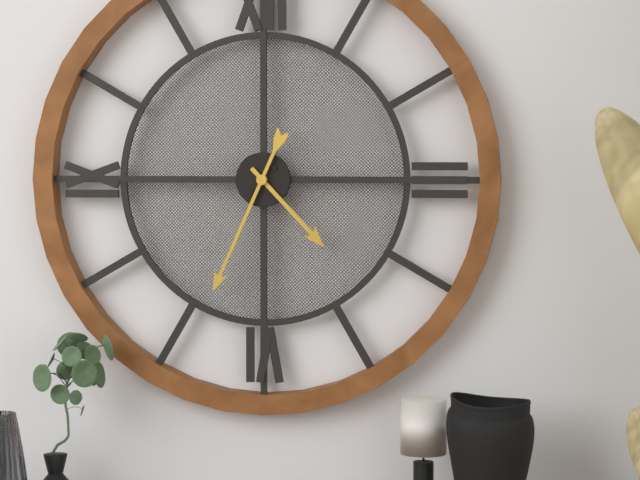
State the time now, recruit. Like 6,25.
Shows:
4,34
